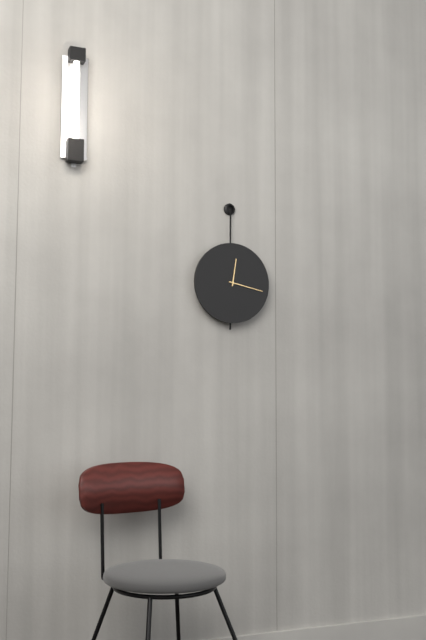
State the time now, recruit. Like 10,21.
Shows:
12,17
